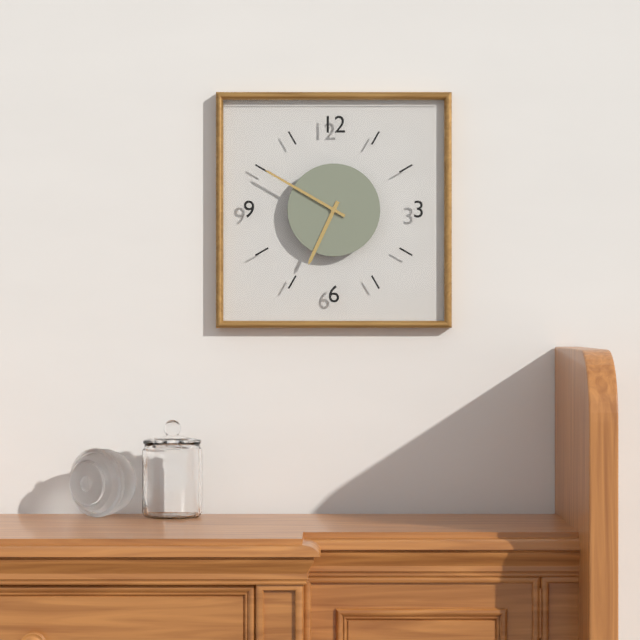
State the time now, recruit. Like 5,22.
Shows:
6,50
